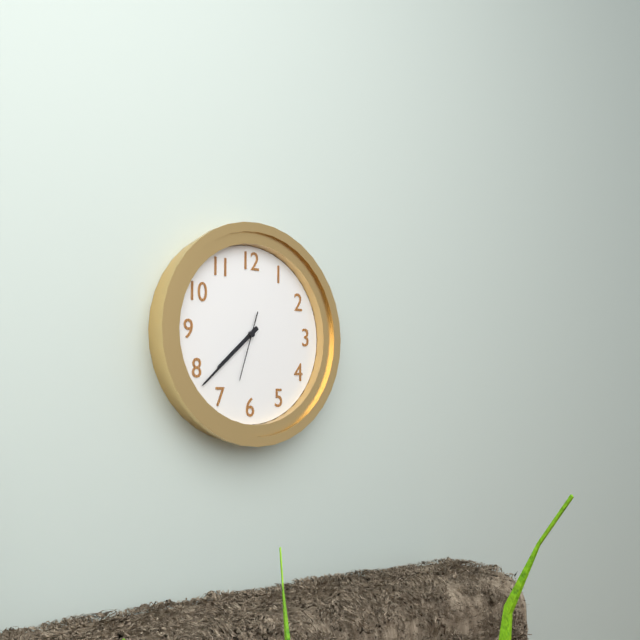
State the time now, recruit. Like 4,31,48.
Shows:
7,38,33
